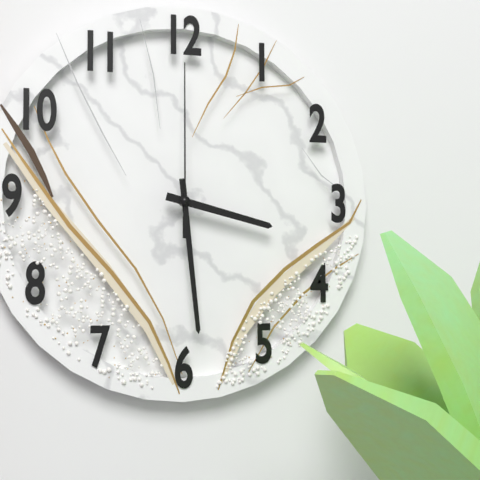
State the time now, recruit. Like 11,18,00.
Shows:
3,29,00
